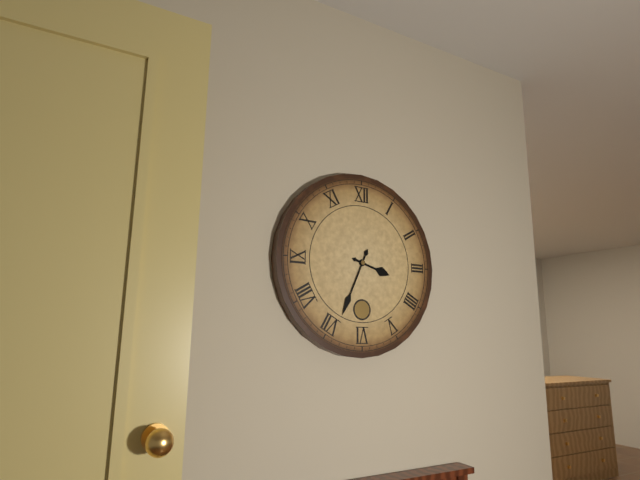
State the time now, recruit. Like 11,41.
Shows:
3,34
